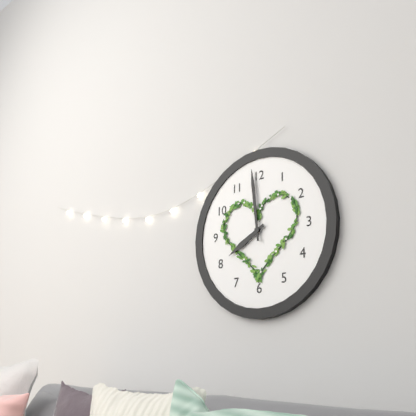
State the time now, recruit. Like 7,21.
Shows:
7,59
